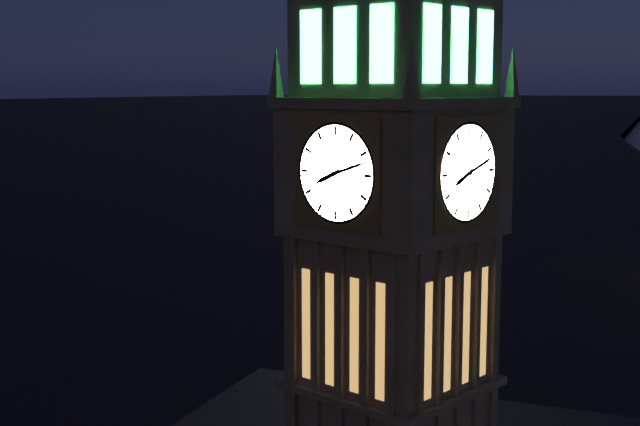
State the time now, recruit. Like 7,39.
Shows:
8,12
